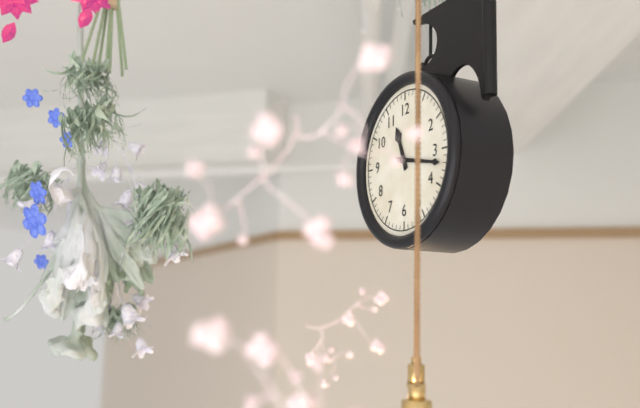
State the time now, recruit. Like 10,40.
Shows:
11,17
